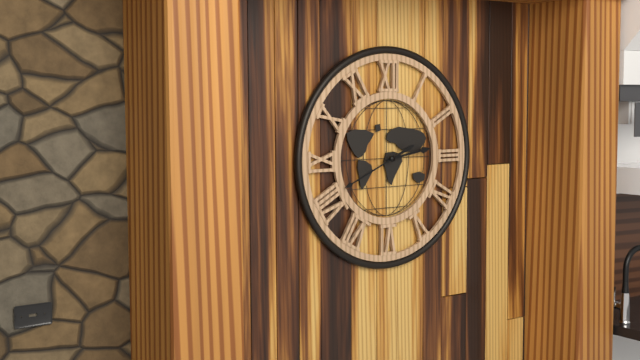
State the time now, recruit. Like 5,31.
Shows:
2,41
